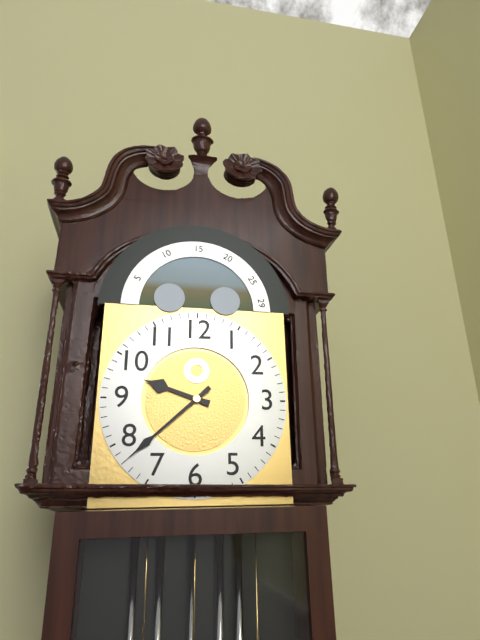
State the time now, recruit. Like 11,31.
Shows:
9,38
